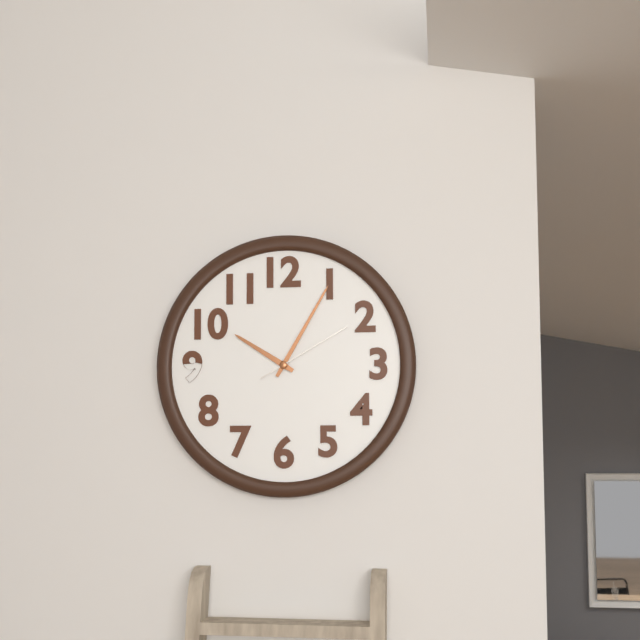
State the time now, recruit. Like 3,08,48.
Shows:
10,05,10
